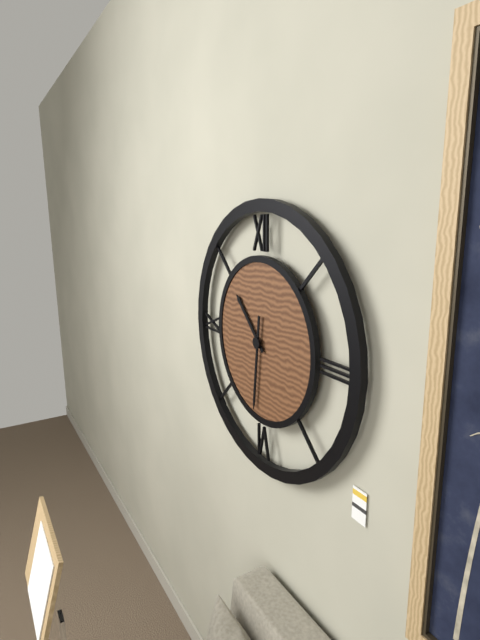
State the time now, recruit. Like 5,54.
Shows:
10,31
